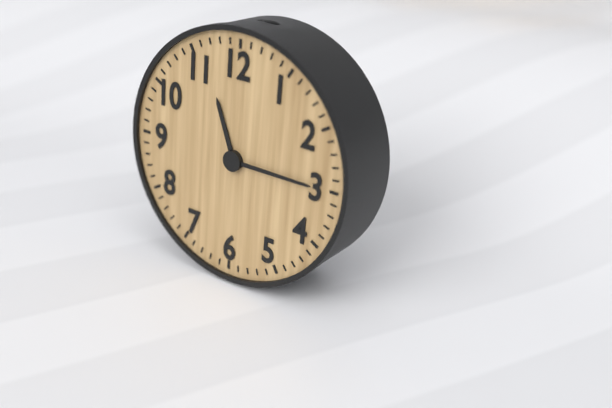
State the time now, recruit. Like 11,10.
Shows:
11,15
